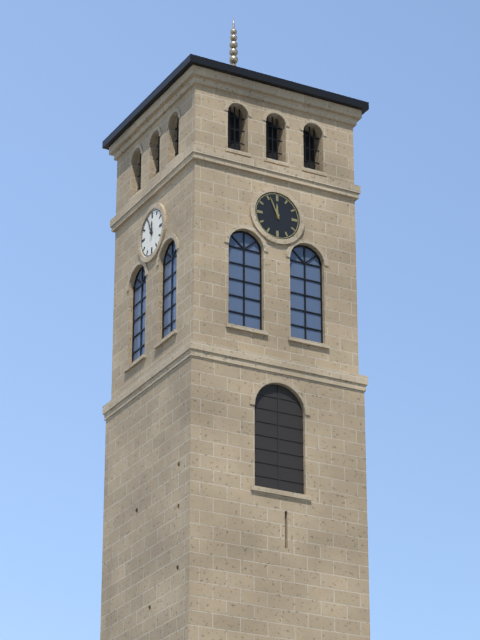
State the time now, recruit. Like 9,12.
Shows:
11,56
